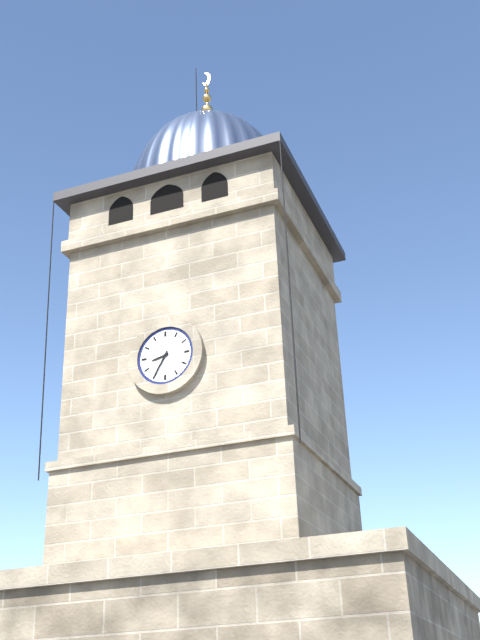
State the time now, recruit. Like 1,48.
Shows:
8,35
